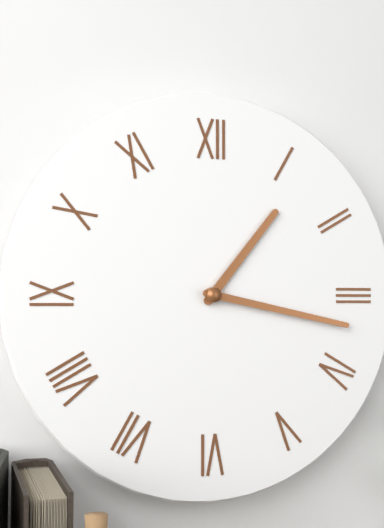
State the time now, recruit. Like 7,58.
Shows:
1,17
